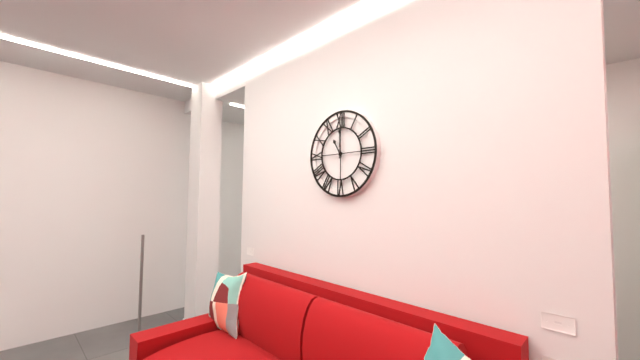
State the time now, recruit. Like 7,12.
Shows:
11,00
